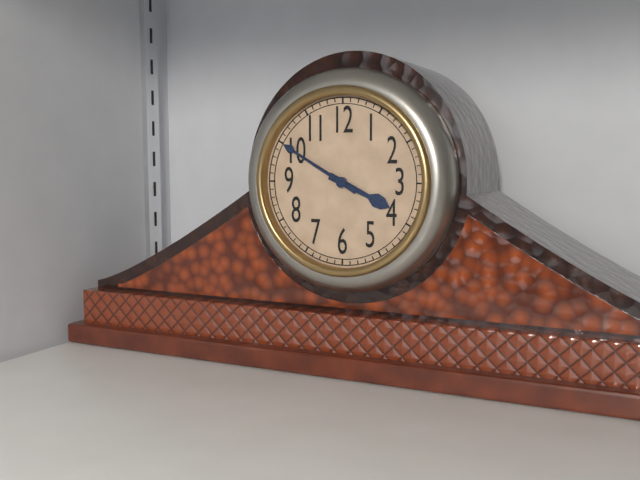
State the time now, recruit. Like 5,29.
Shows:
3,50
